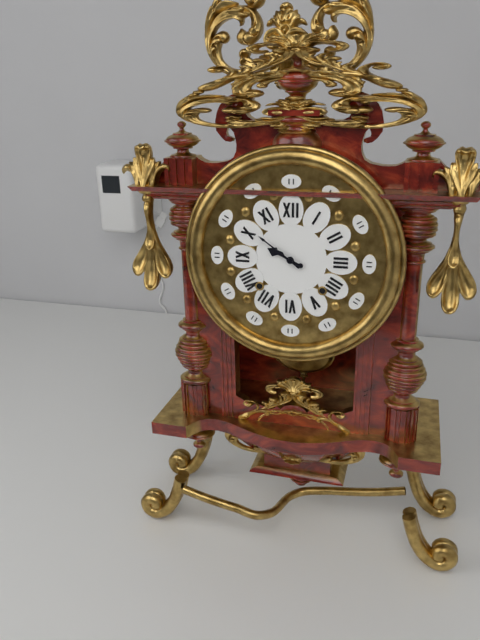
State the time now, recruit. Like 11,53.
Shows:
9,51
